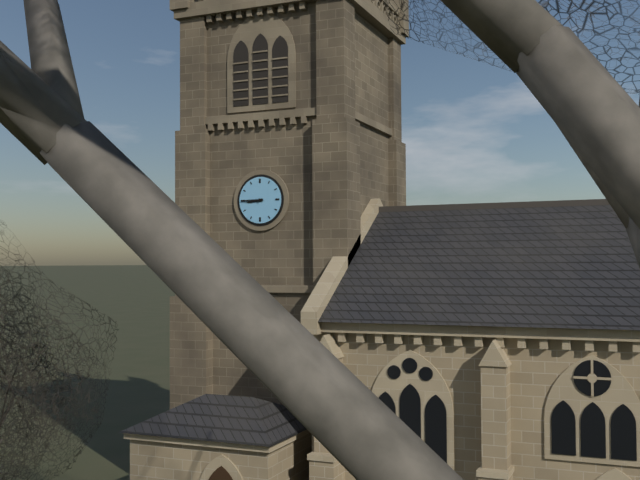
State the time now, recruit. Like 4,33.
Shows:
8,45
